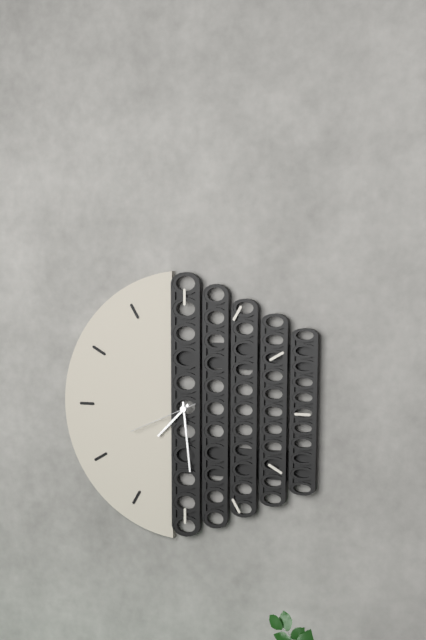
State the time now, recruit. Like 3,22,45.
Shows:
7,29,41
